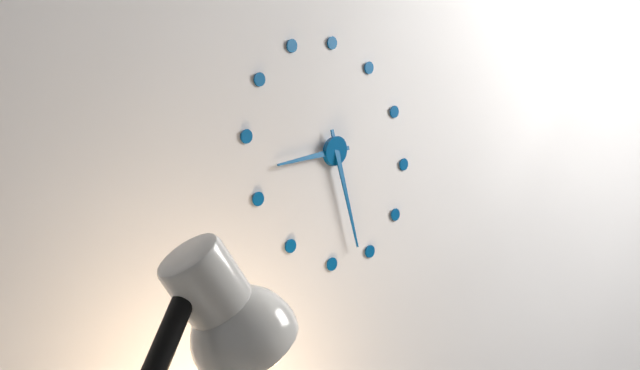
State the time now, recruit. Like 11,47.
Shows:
8,27
